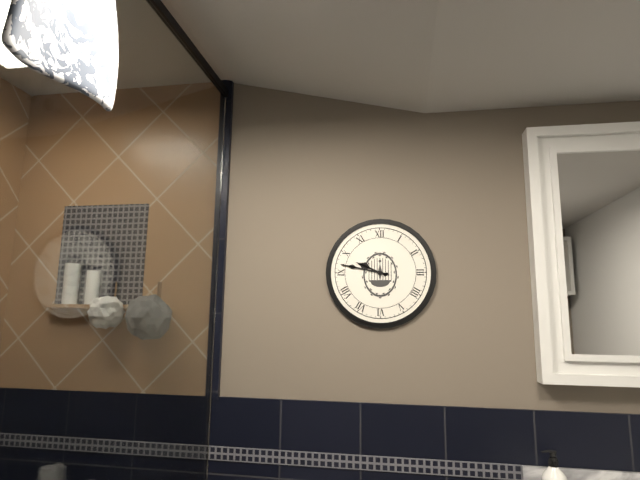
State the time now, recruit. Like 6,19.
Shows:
9,47
